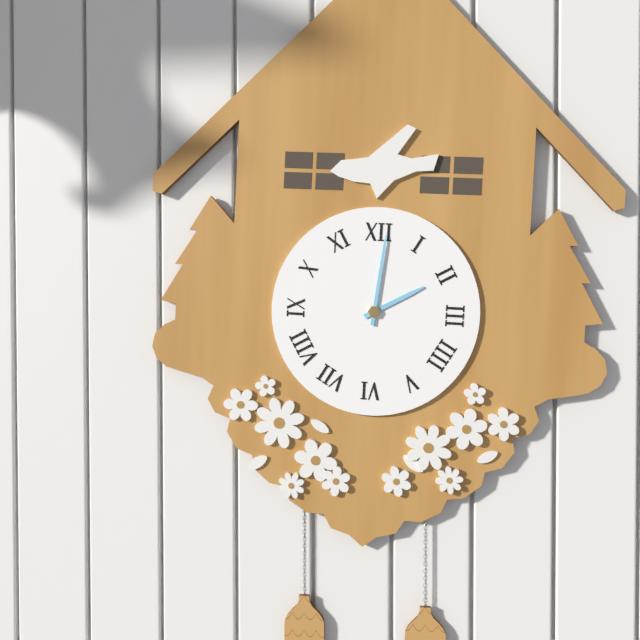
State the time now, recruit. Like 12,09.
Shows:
2,01
